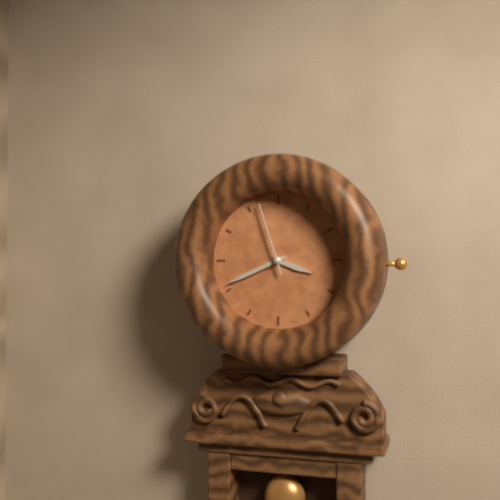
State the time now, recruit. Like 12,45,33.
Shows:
3,41,57
